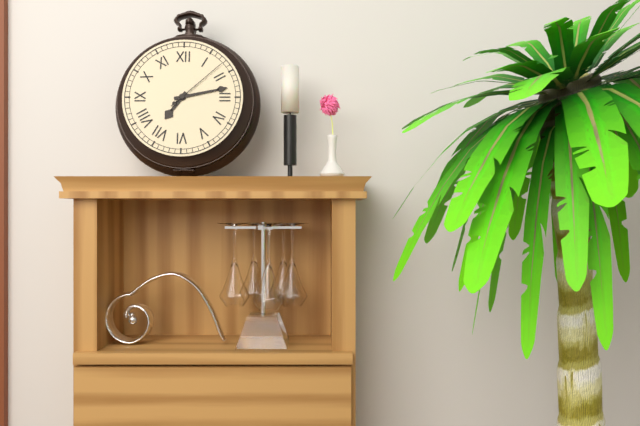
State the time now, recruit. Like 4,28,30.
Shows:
7,13,08
